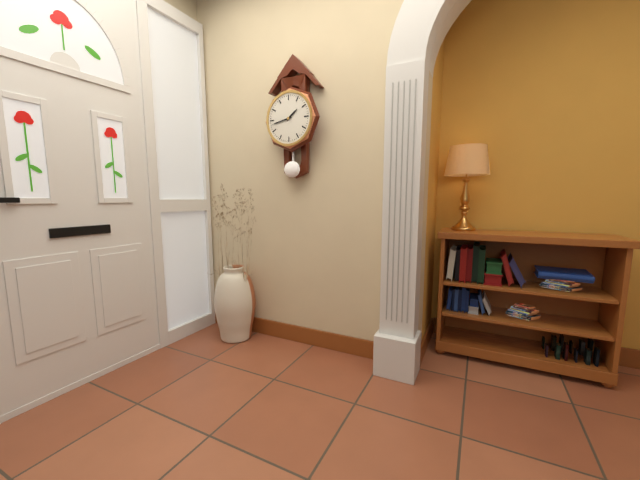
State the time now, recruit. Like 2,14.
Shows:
1,43
